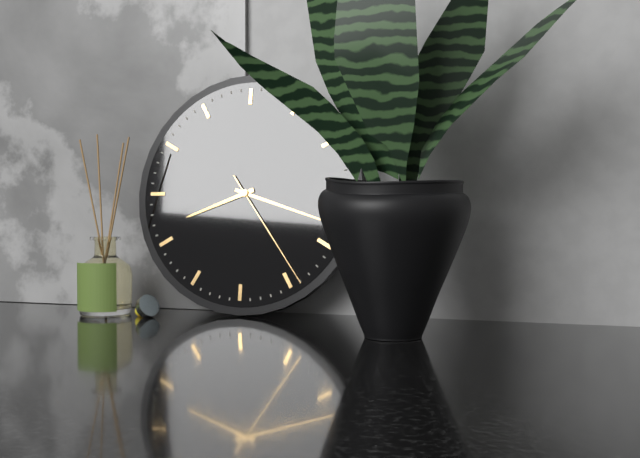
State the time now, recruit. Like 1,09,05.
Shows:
8,18,24
